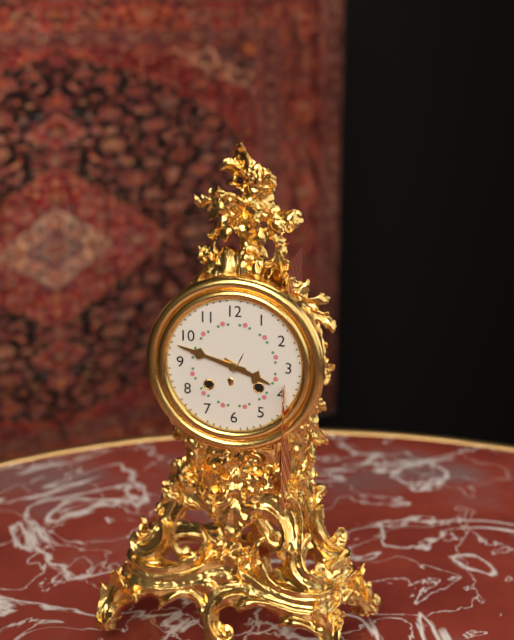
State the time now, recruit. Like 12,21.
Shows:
3,48
